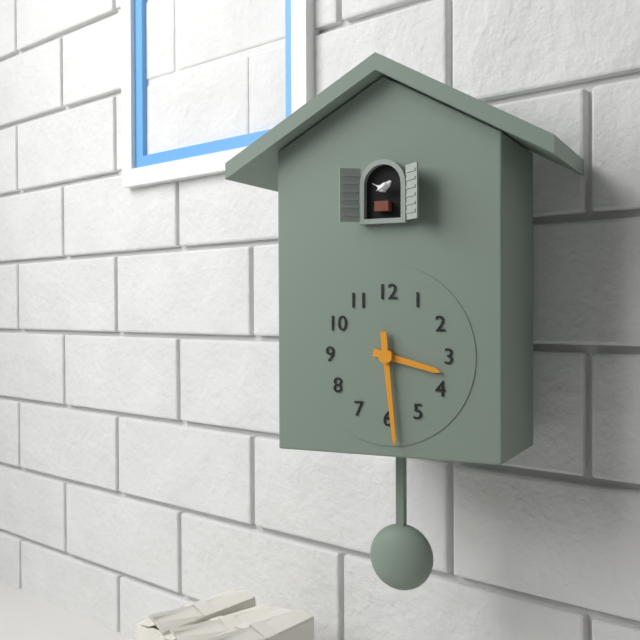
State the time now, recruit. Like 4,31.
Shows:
3,29
